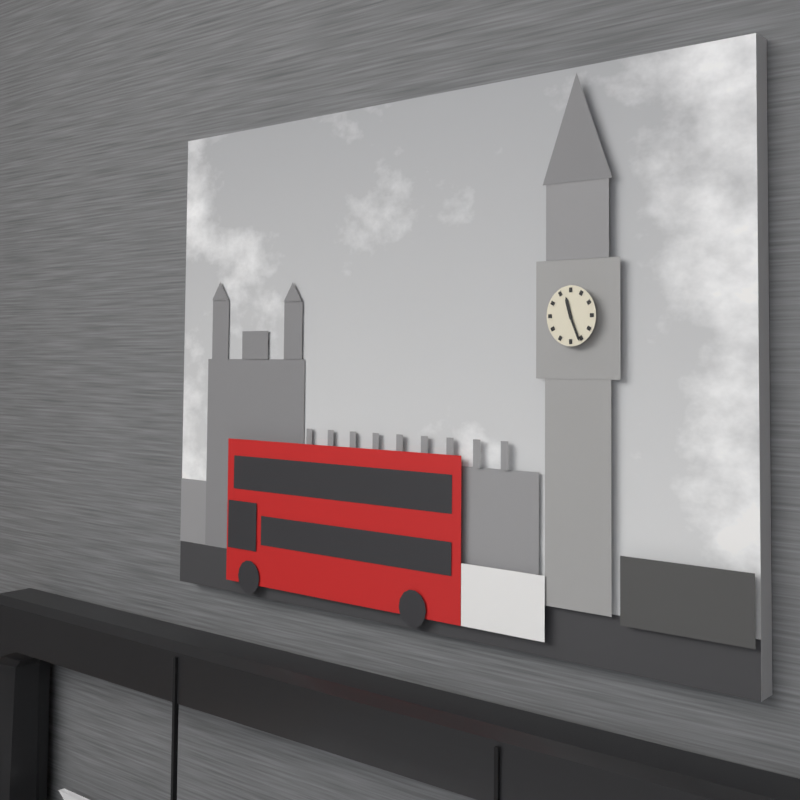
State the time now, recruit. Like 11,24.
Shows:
11,26
